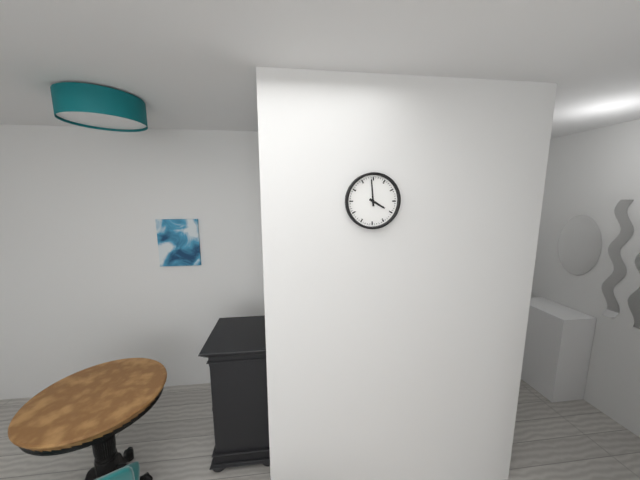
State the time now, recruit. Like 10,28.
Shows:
3,59
